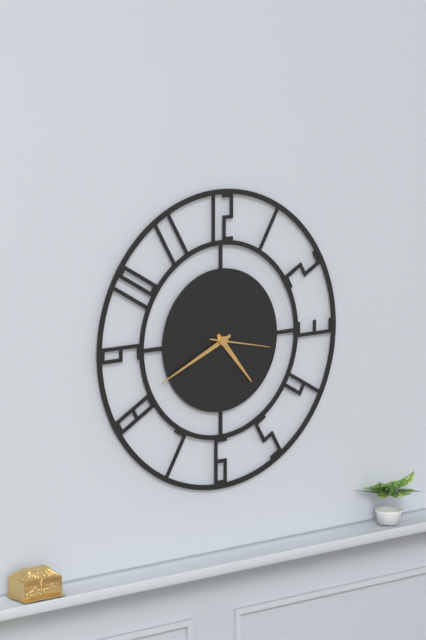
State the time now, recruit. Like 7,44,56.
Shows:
4,41,17
